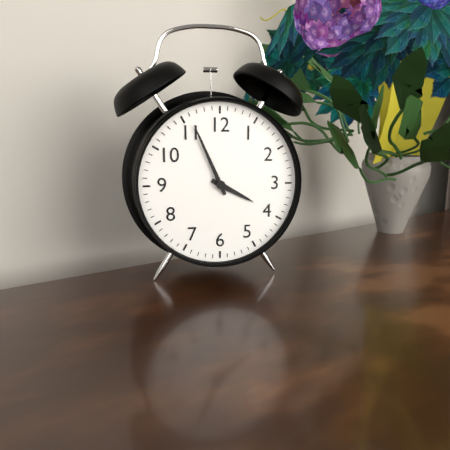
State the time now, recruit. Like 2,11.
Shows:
3,56
